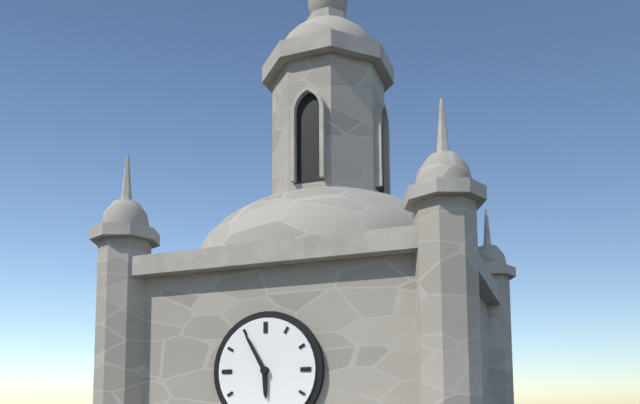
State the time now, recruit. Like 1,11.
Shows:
5,55
